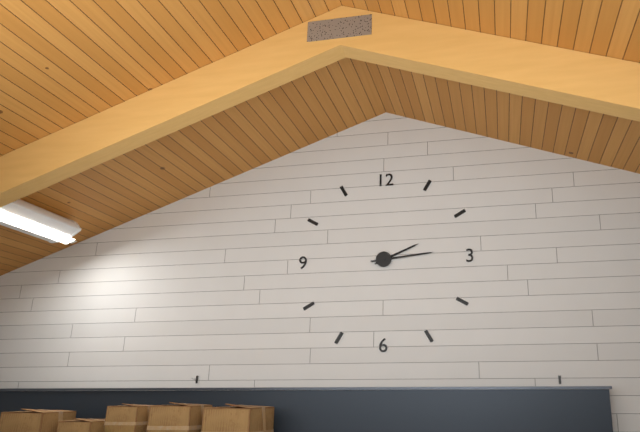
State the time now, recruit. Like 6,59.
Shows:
2,14
